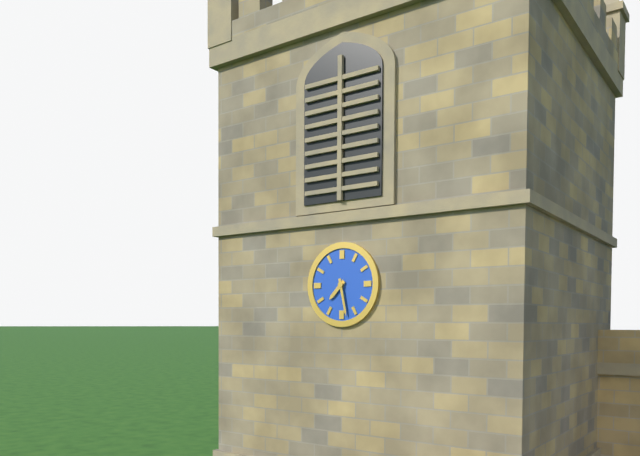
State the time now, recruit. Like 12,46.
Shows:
7,28
